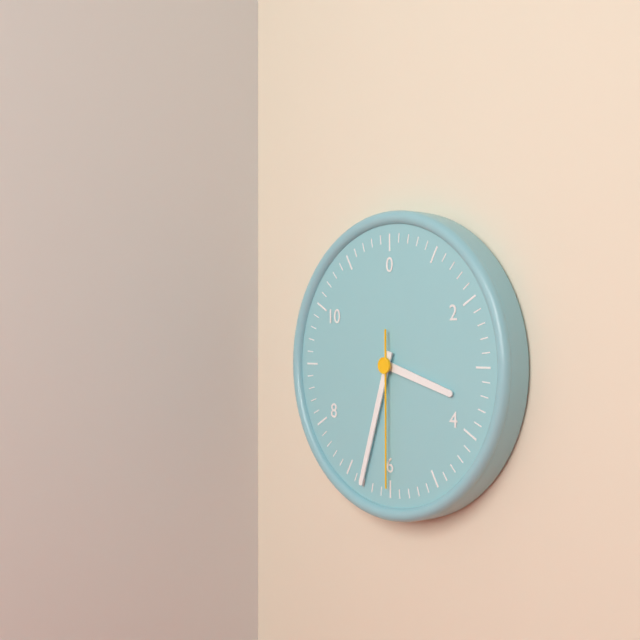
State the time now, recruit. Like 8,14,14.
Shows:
3,33,30
